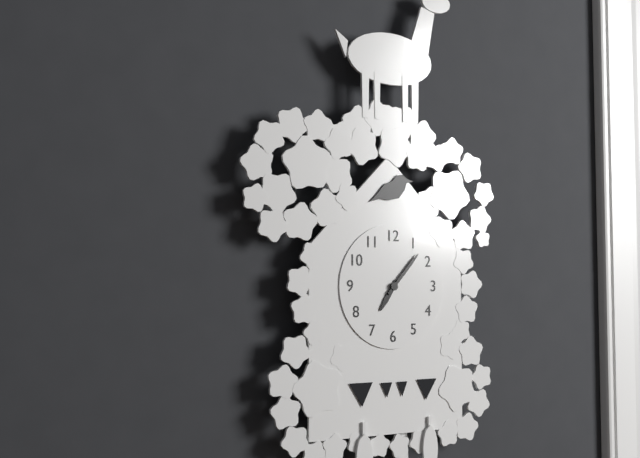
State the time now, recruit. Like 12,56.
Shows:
7,07
